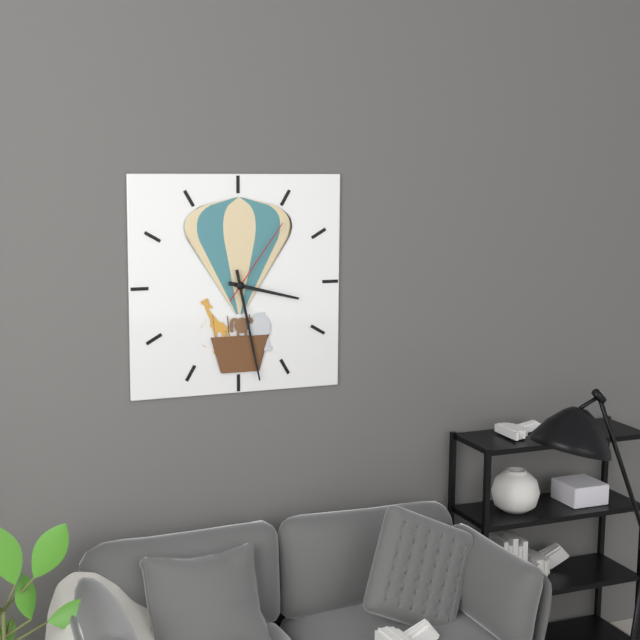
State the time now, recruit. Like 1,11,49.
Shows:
3,28,06
